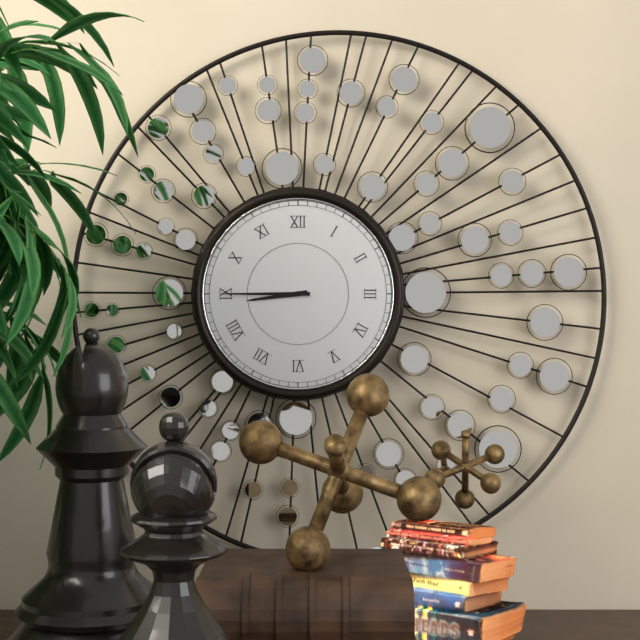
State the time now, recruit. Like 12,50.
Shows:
8,45
